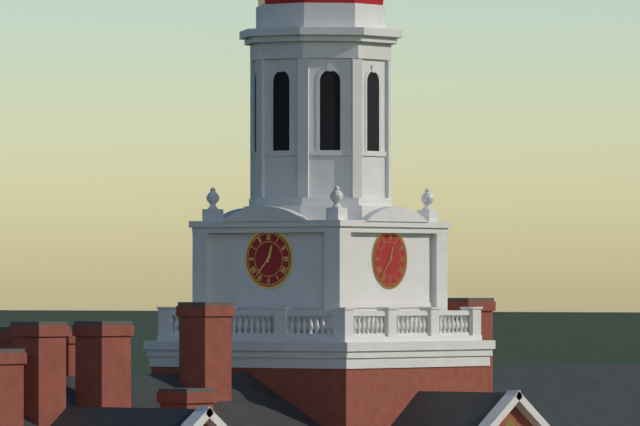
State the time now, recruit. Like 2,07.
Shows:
12,37
